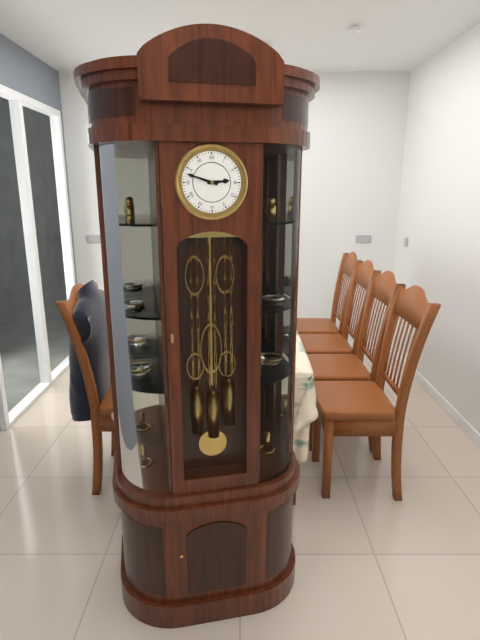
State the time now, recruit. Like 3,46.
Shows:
2,48
